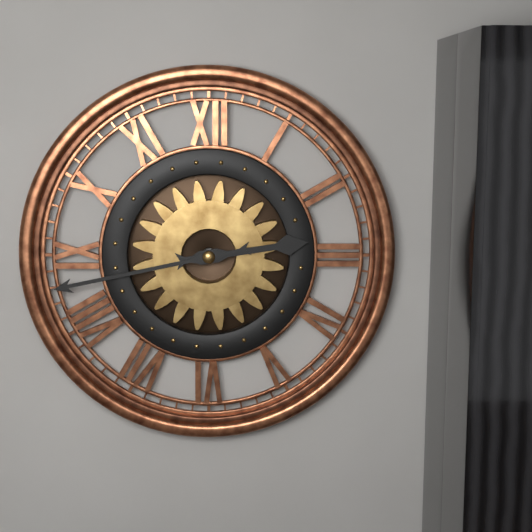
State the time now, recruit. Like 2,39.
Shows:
2,43
